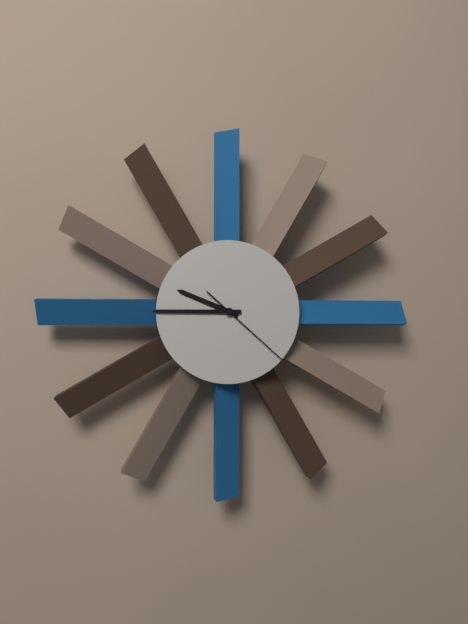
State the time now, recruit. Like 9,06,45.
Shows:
9,45,22
